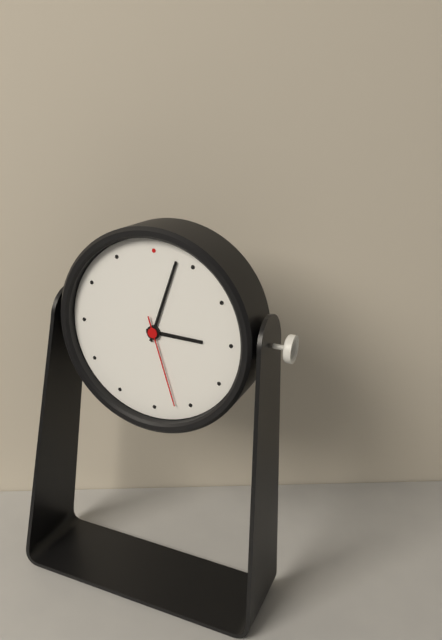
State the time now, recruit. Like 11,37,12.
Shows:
3,03,27
